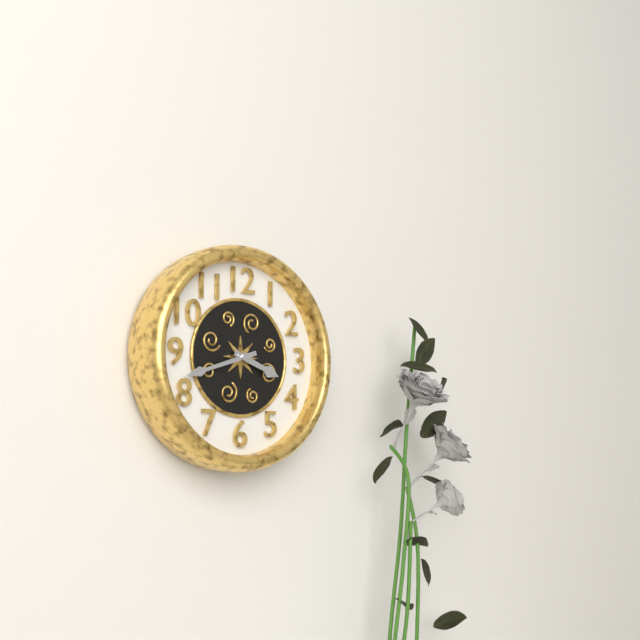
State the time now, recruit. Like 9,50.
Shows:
3,42
